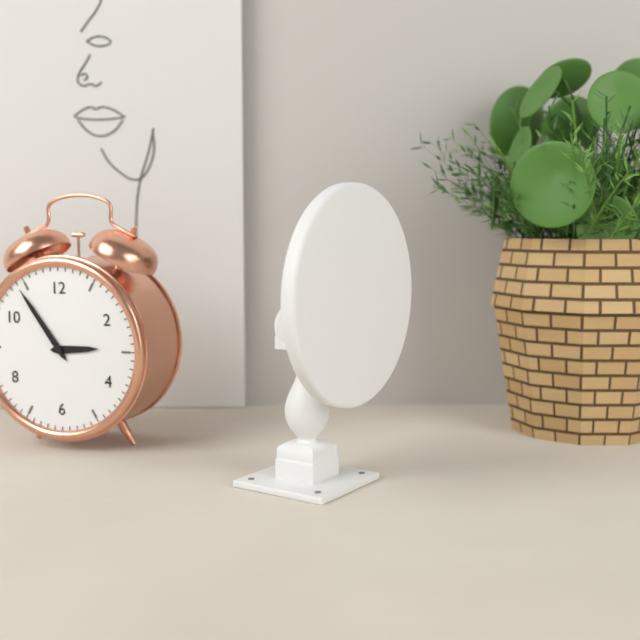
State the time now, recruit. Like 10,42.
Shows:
2,54
